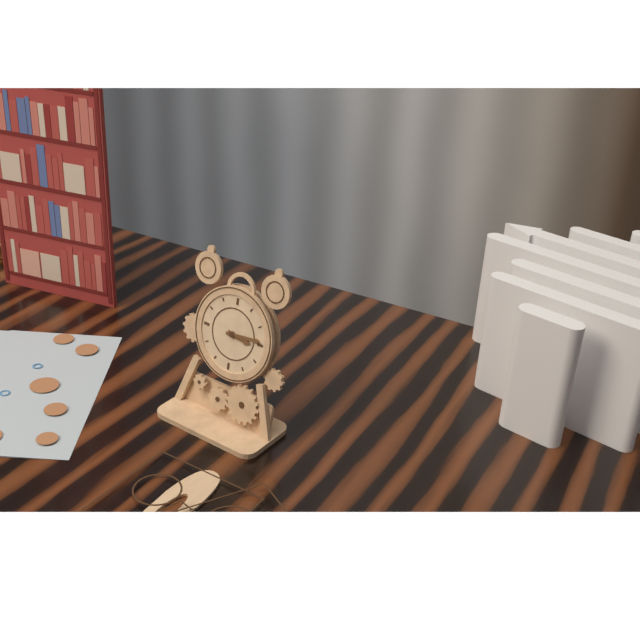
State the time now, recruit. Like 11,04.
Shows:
3,14
